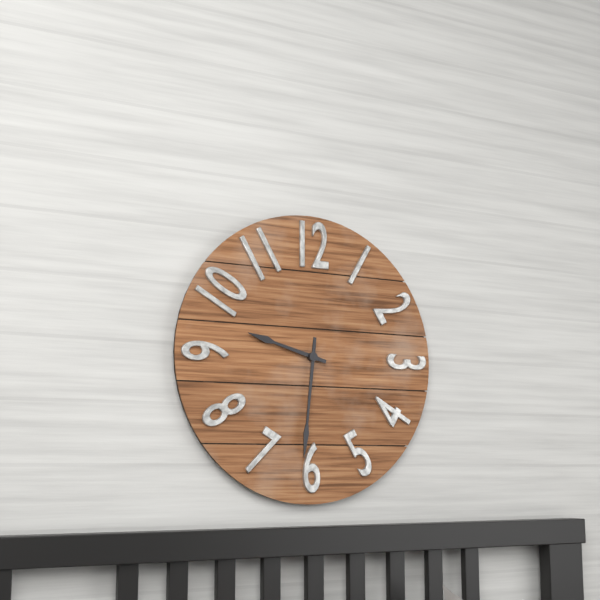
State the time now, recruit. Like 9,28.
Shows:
9,31
